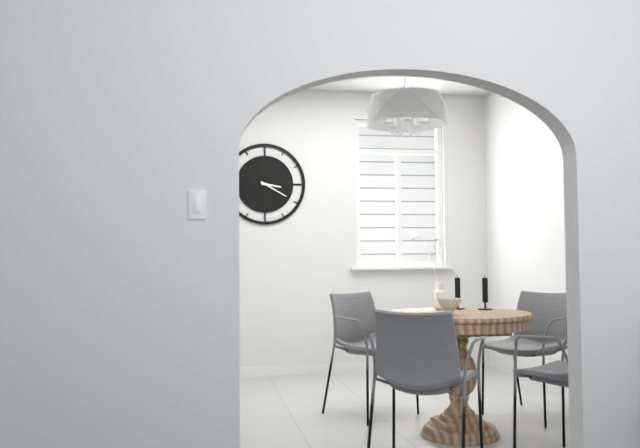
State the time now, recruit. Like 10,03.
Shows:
3,20
